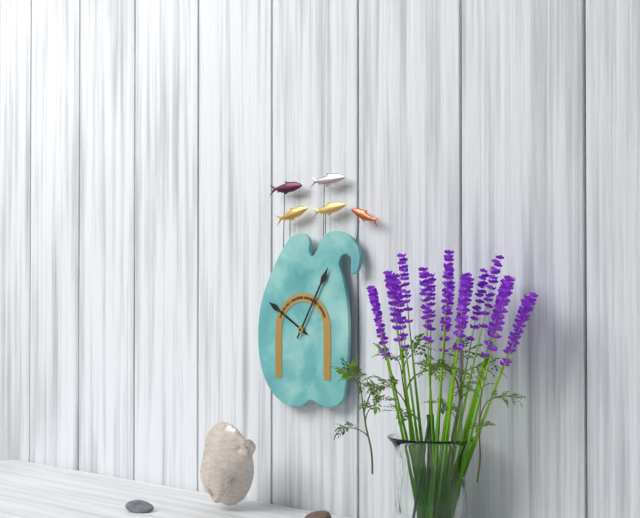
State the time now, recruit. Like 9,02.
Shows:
10,05
